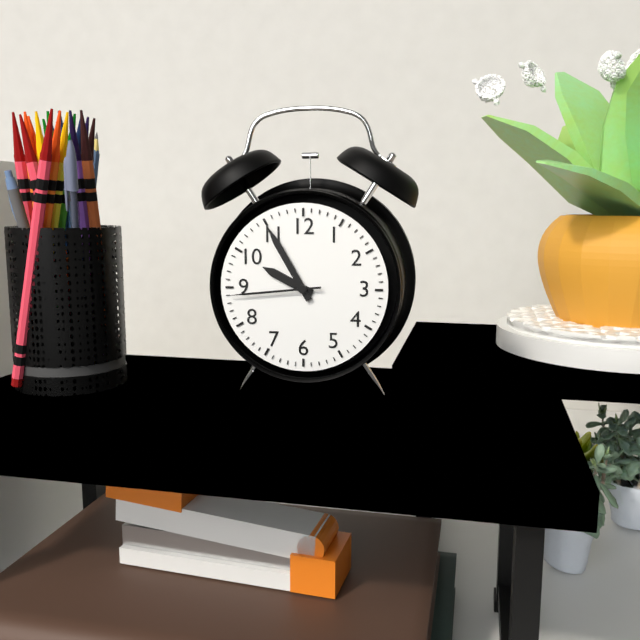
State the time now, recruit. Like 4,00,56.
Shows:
9,55,44
